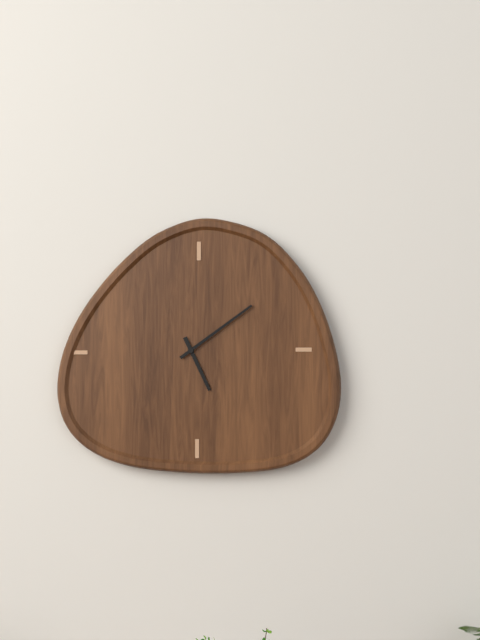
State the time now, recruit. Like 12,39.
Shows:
5,09
